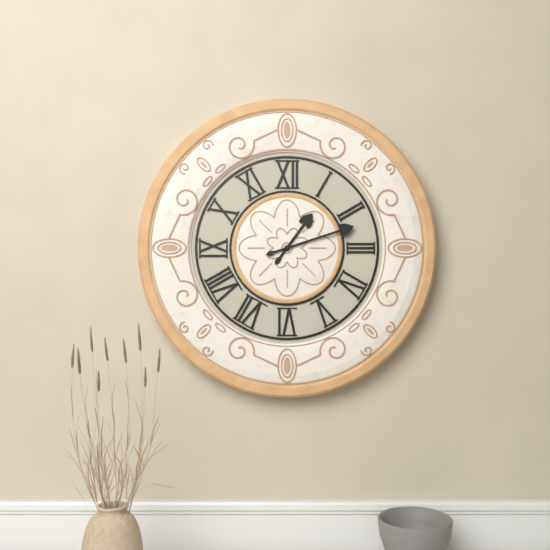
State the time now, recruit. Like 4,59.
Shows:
1,12
